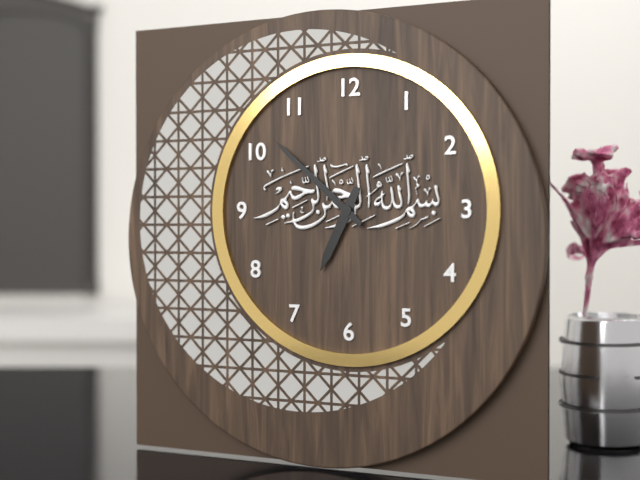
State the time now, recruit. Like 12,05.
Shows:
6,52
